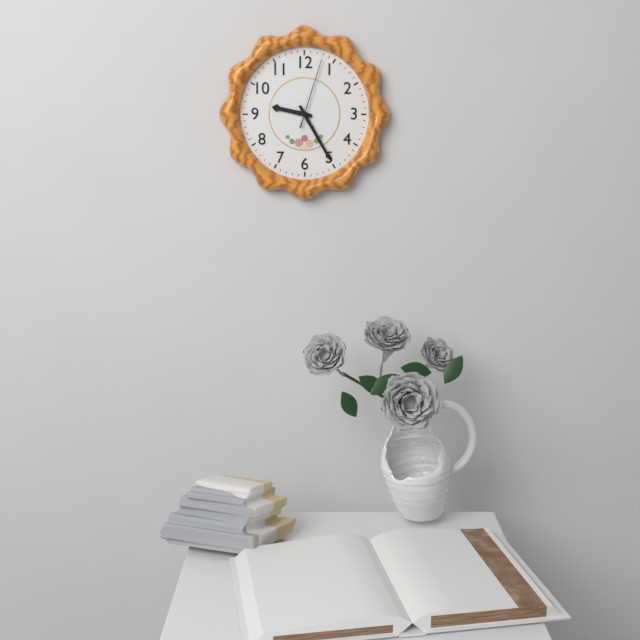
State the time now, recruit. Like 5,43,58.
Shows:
9,25,03
